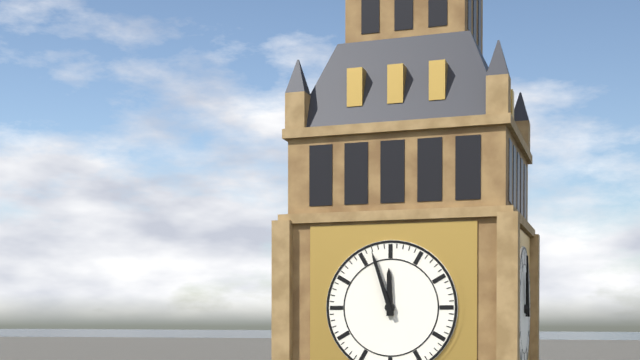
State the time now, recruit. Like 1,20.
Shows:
11,57
